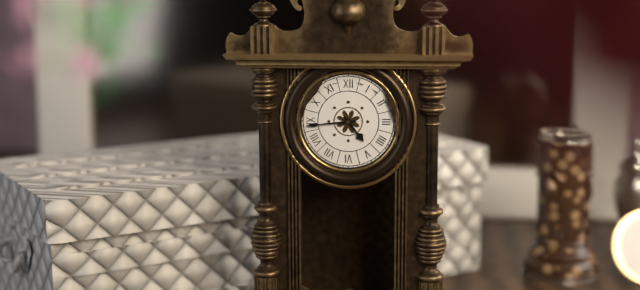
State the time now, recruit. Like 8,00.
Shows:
4,44
